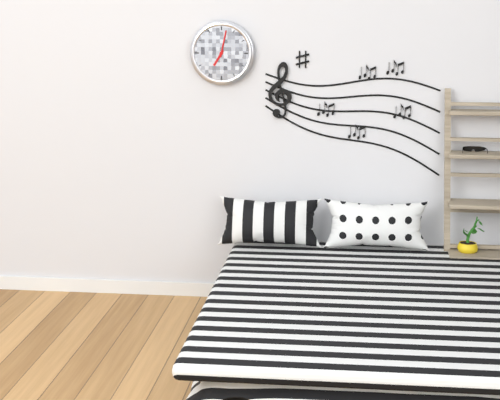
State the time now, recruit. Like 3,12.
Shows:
7,02
